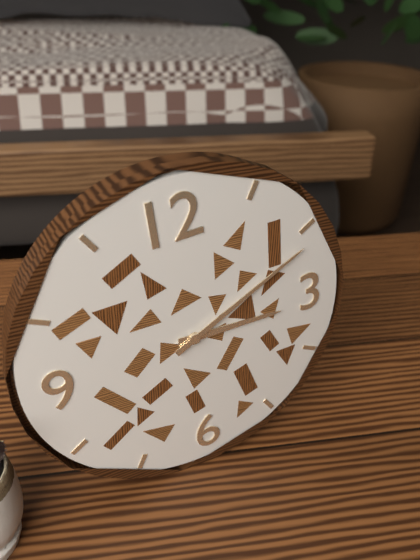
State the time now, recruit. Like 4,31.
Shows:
3,11
